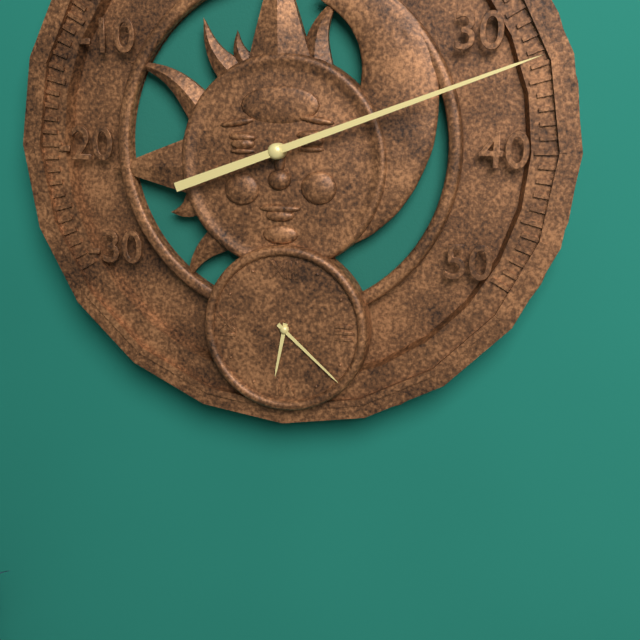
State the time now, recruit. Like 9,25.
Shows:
6,22
